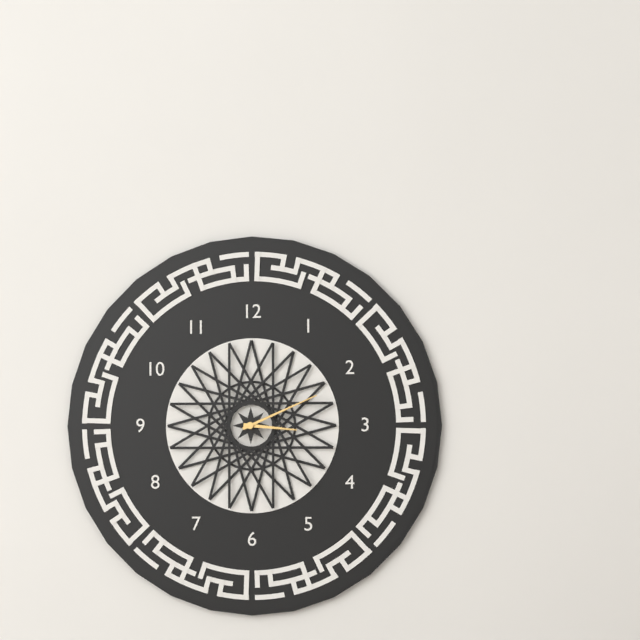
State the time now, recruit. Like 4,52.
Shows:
3,11
